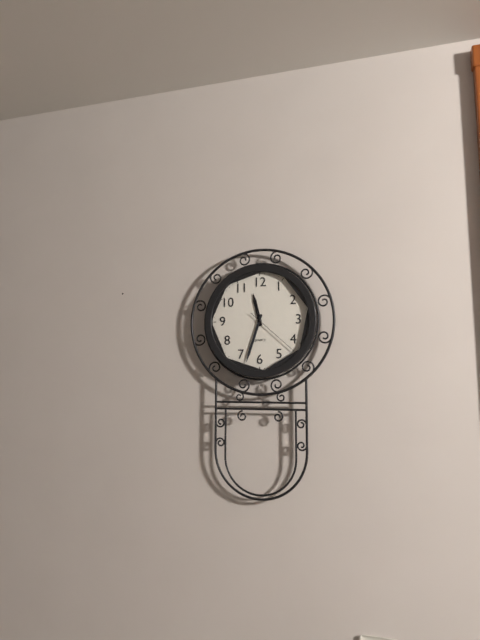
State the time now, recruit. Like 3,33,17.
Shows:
11,33,22
